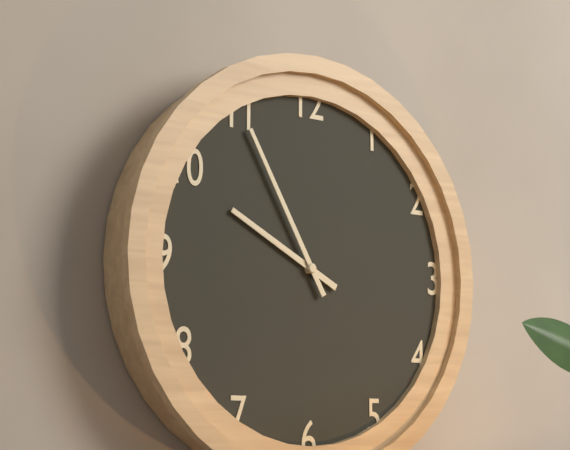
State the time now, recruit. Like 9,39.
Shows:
9,55
